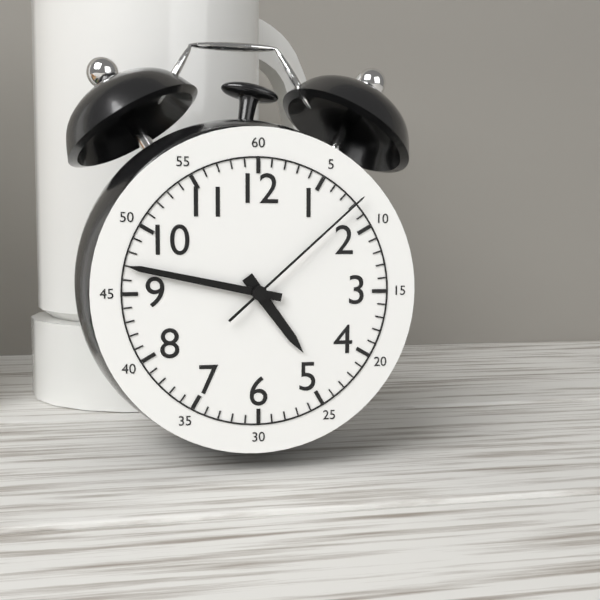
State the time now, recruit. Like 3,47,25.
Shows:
4,47,08
